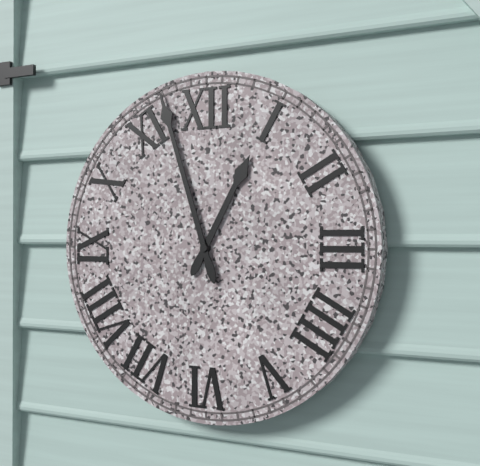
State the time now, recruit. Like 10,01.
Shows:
12,57
